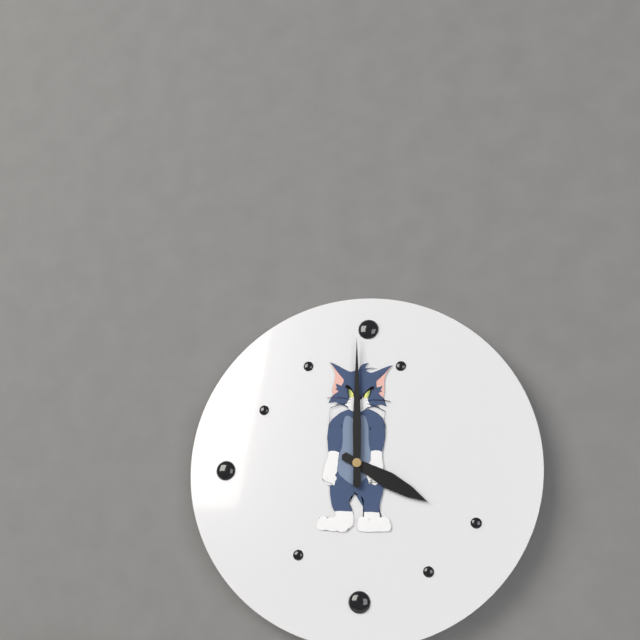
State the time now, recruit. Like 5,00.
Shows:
4,00
